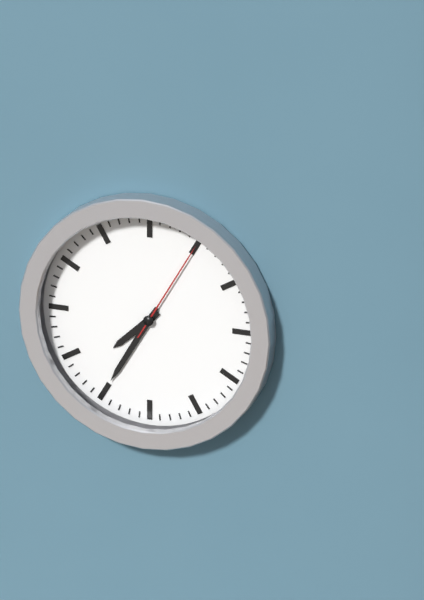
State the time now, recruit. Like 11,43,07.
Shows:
7,35,05
